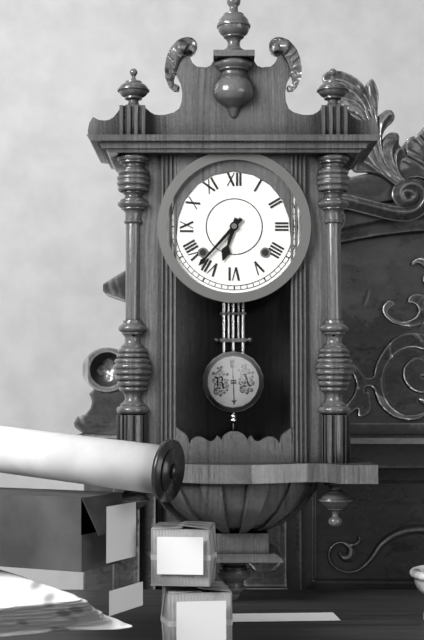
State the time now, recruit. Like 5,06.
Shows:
6,37
